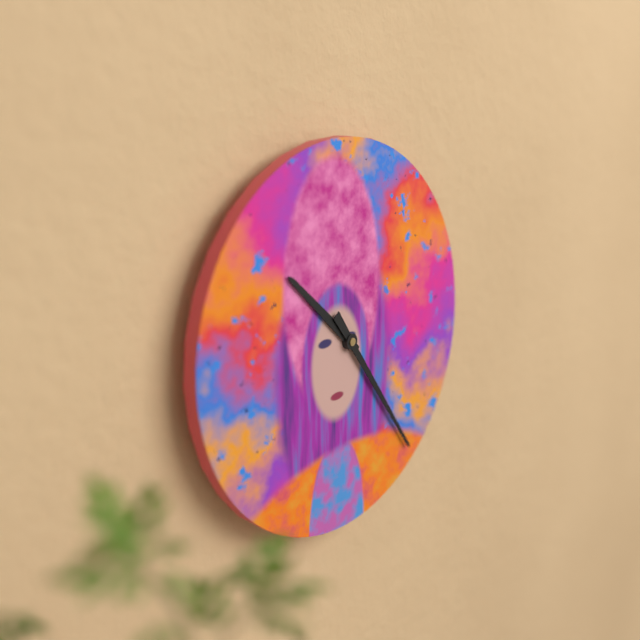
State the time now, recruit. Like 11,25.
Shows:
10,24
